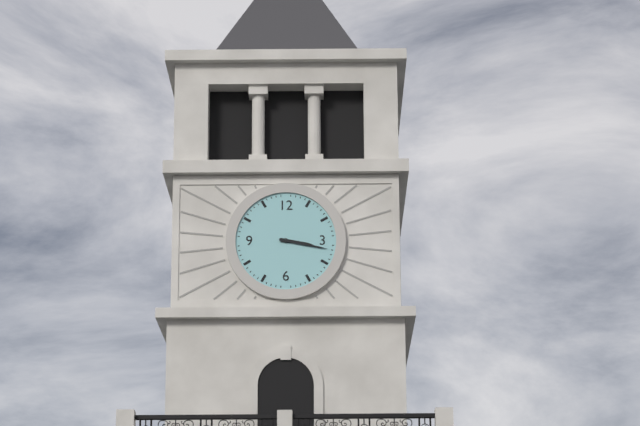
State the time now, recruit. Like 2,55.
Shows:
3,17
